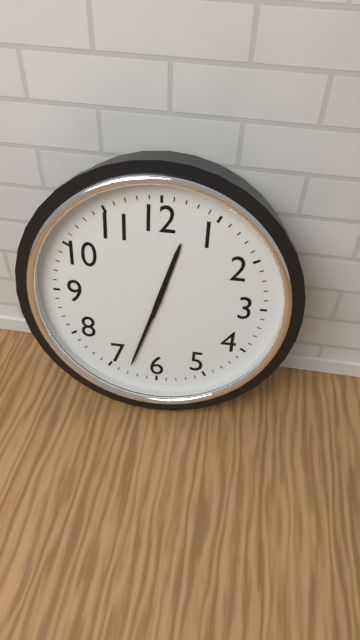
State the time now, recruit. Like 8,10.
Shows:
12,33
